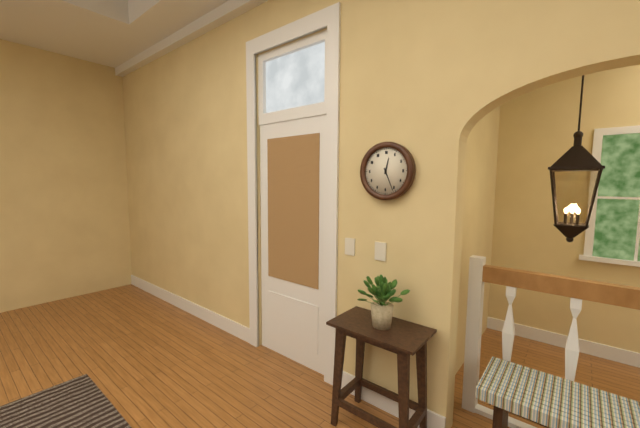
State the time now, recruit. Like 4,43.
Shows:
12,26
